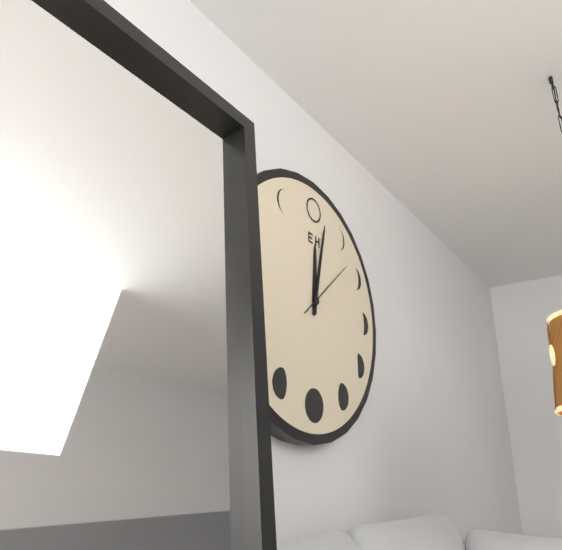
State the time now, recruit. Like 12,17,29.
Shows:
12,02,08
